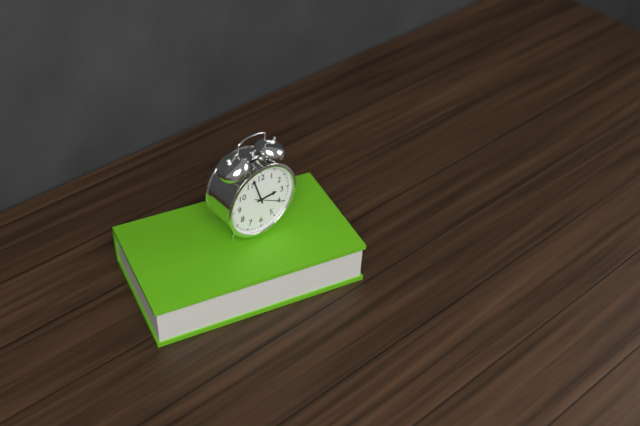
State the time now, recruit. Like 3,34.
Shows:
2,57
